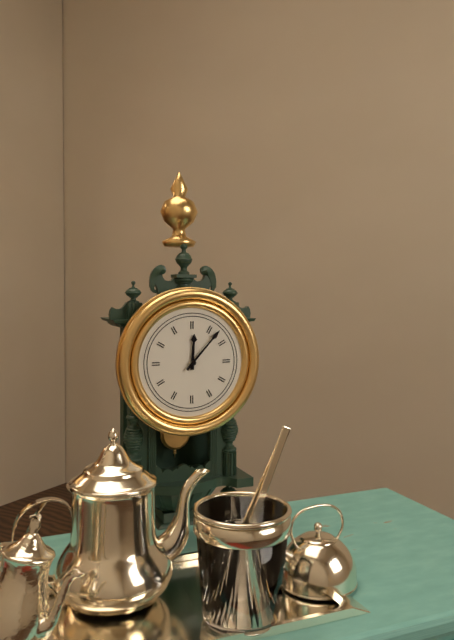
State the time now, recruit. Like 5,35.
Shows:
12,07
